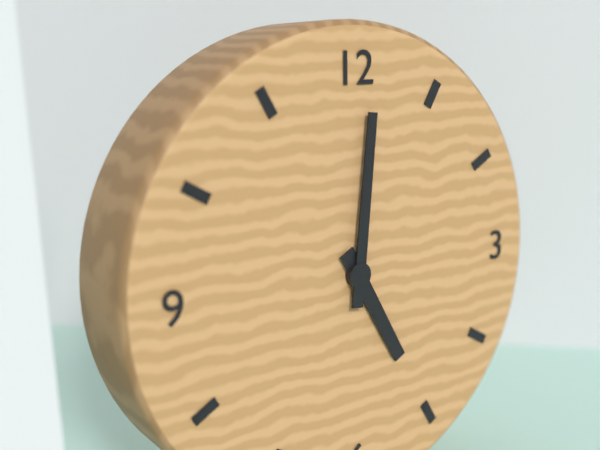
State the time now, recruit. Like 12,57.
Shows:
5,01
